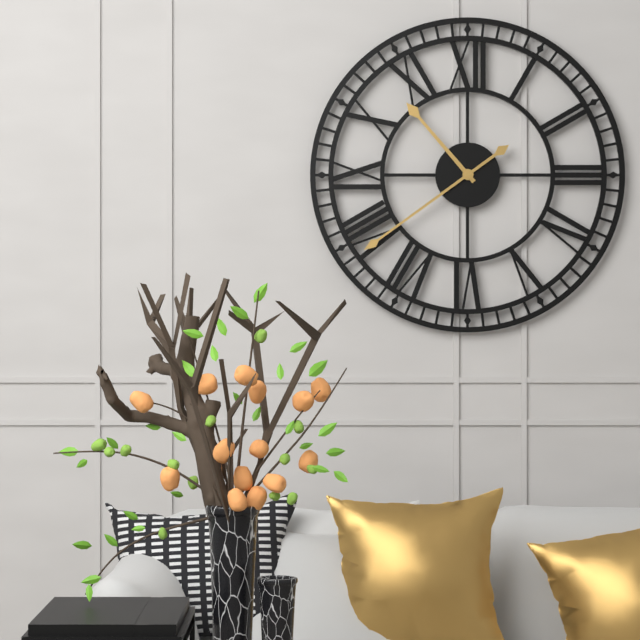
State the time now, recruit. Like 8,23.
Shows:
10,39
